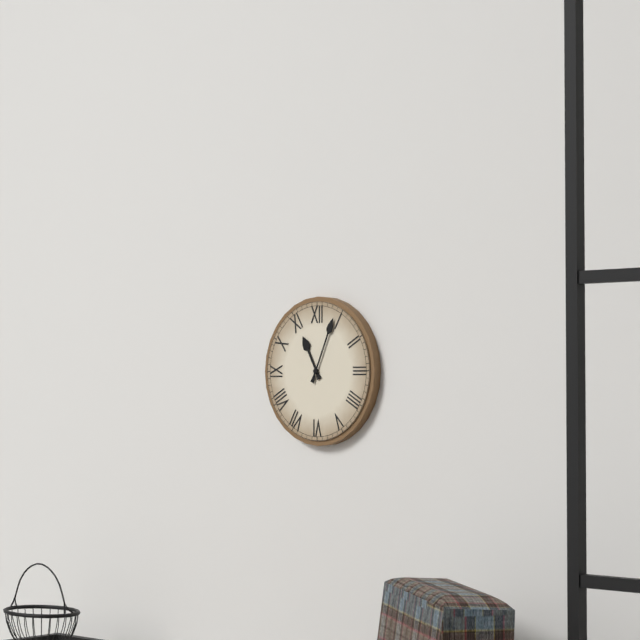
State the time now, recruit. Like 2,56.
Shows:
11,04
